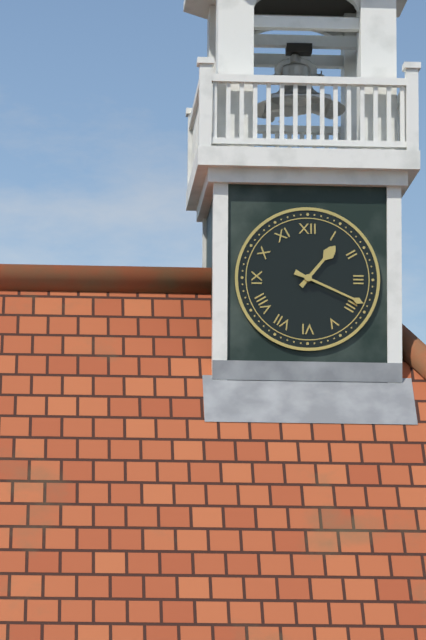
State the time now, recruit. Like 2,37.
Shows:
1,19
